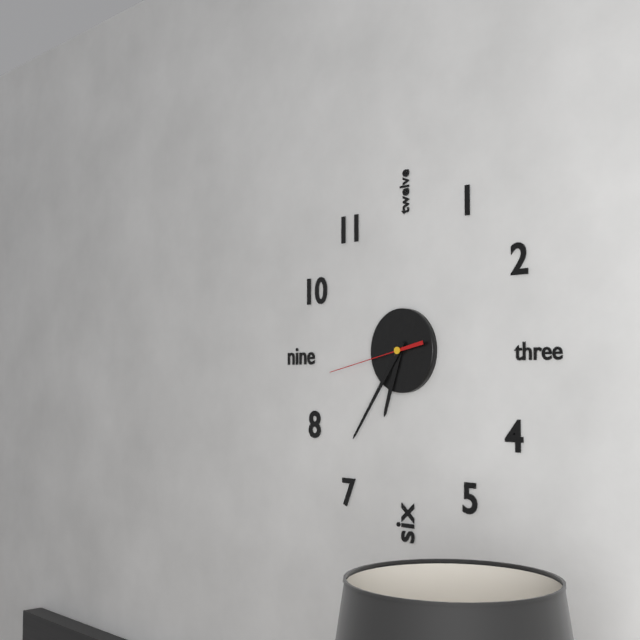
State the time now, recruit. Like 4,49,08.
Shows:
6,36,43
